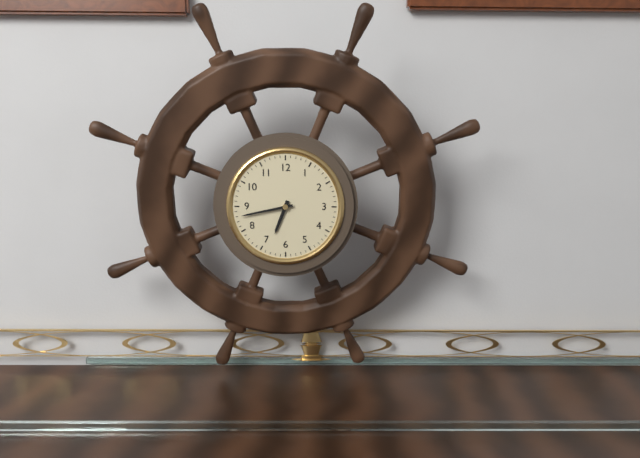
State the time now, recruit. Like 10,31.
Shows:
6,43
